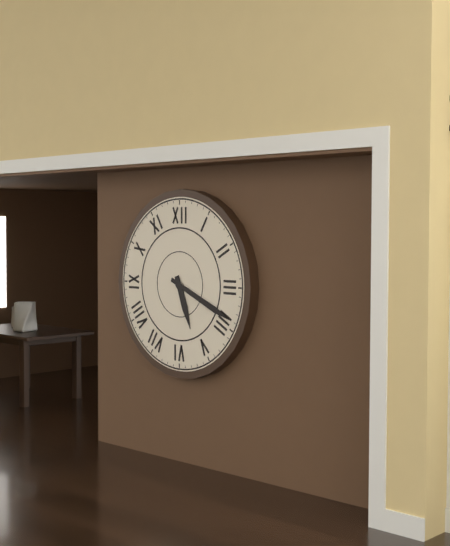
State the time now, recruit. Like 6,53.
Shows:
5,19
